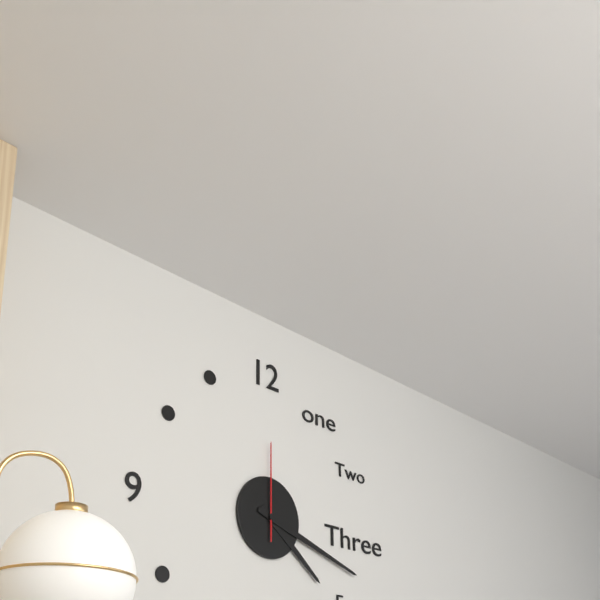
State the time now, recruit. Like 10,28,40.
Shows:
4,18,00
